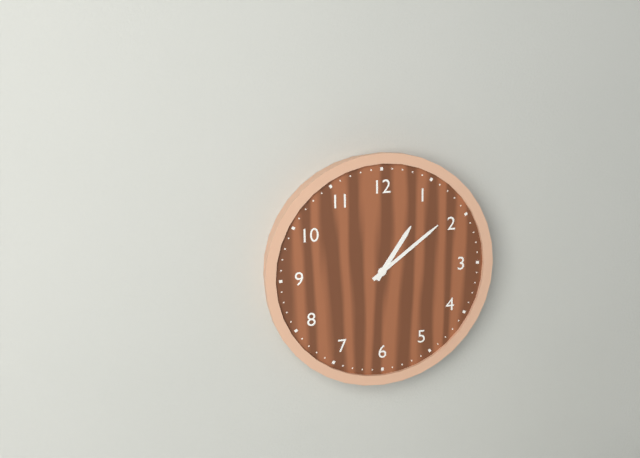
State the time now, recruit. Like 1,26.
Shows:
1,09
